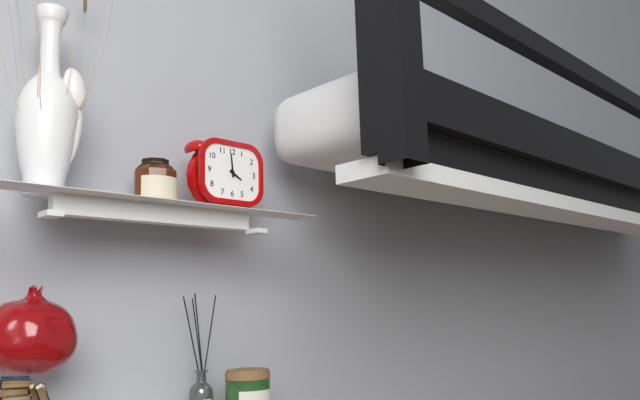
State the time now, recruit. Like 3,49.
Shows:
3,59
